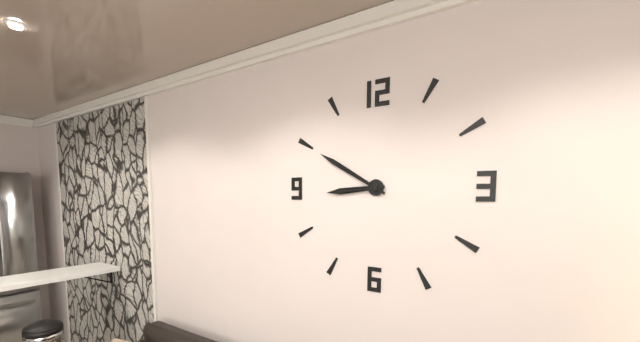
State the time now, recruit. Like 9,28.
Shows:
8,50
